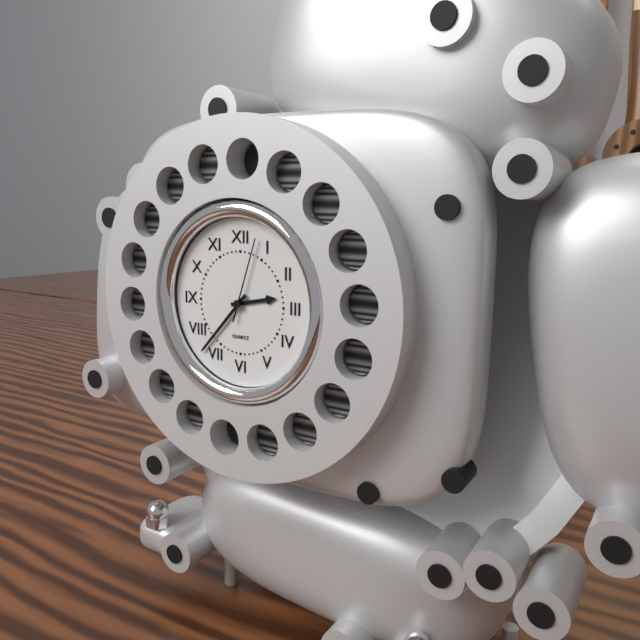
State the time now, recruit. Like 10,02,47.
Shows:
2,37,03
